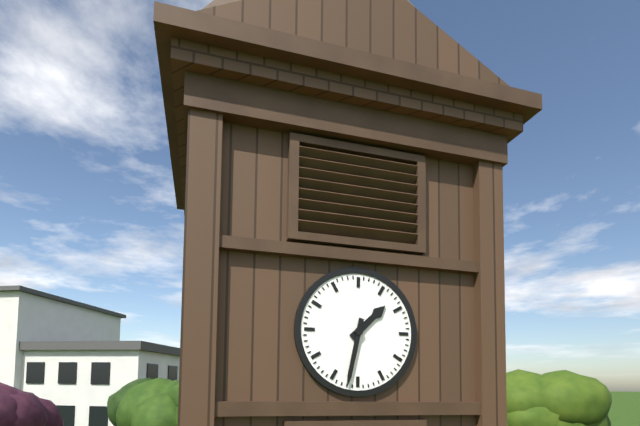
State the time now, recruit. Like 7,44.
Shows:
1,32
